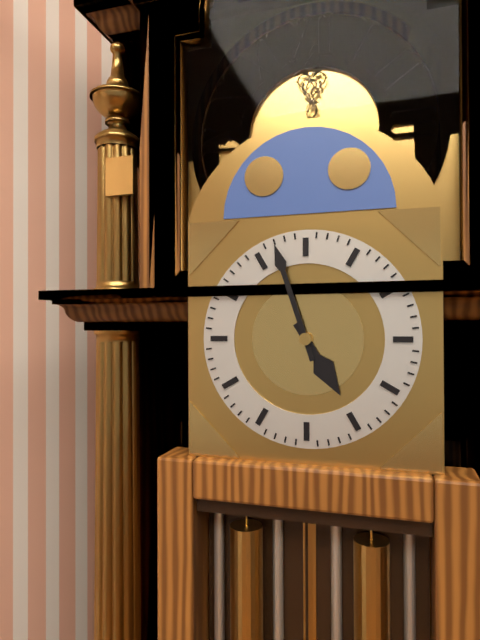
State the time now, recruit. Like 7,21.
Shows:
4,57
